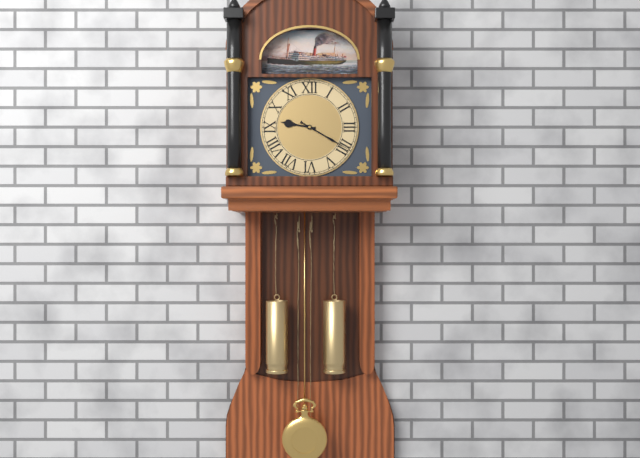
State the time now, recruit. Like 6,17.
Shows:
9,20
